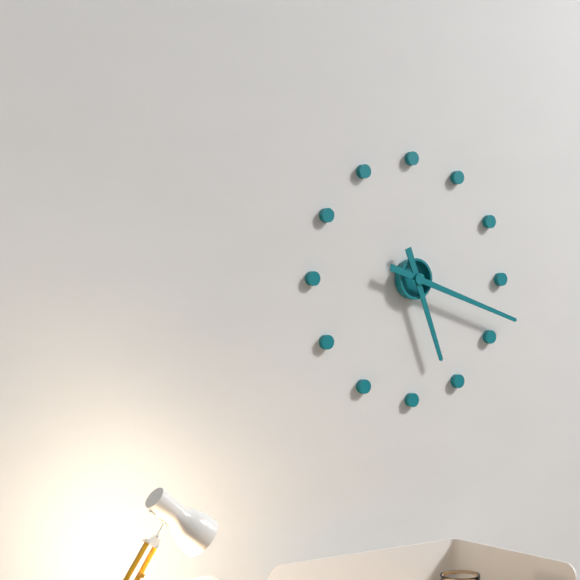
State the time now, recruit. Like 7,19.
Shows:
5,18
